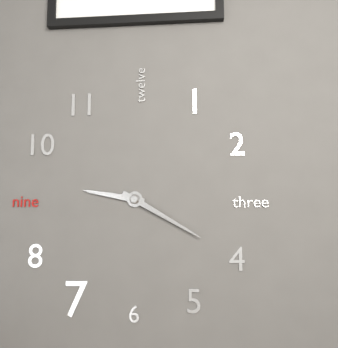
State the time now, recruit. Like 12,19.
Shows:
9,20
